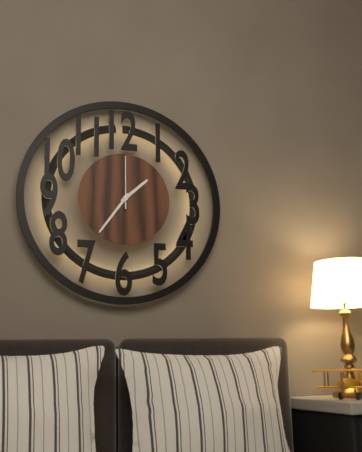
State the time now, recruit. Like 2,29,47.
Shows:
1,36,00
